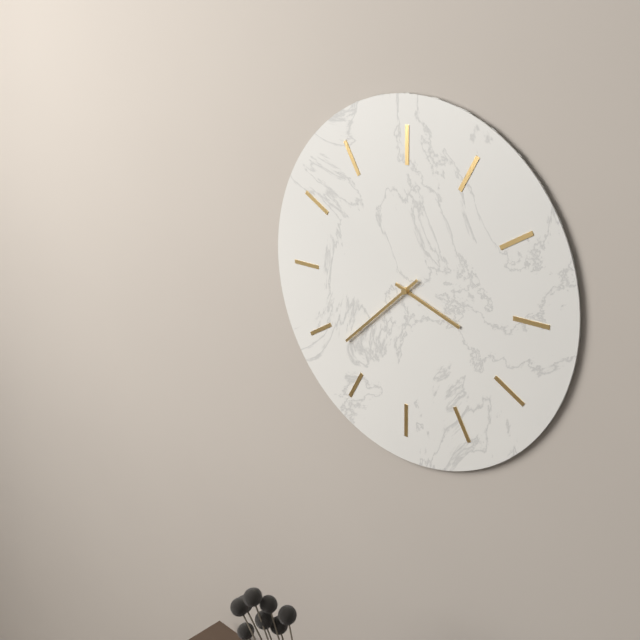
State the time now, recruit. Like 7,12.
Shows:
3,38
